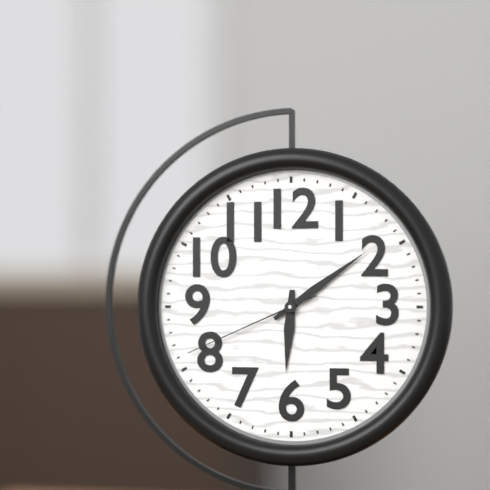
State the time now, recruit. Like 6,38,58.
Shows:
6,09,41
